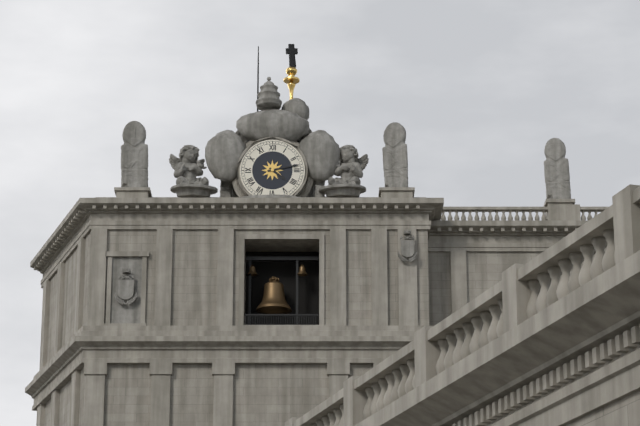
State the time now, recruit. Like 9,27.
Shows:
4,13
